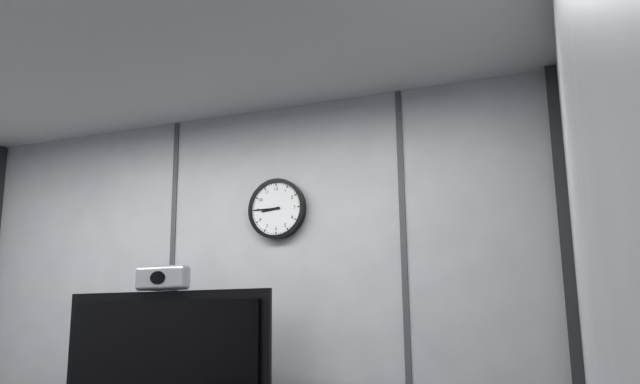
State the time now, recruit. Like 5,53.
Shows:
8,45
